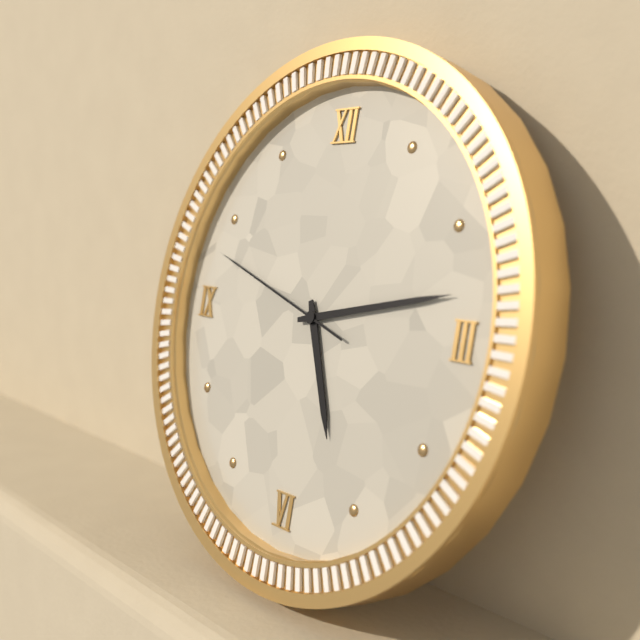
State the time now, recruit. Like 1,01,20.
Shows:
5,13,48
